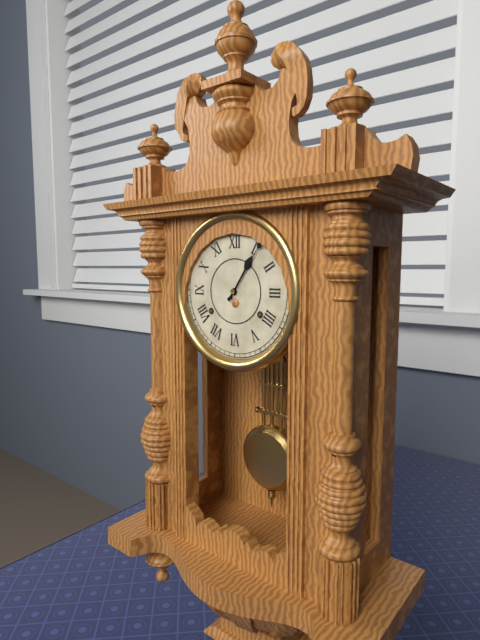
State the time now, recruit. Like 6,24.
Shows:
1,06
